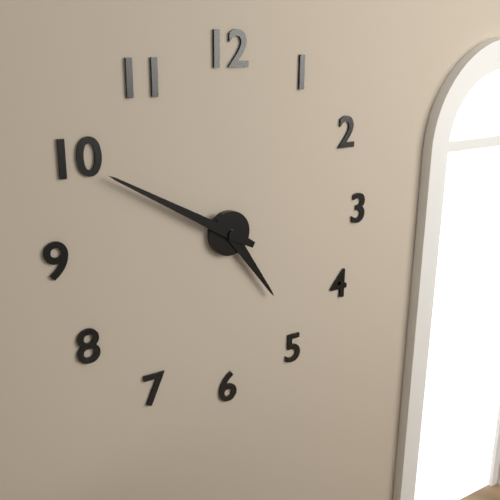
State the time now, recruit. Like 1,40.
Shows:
4,50
